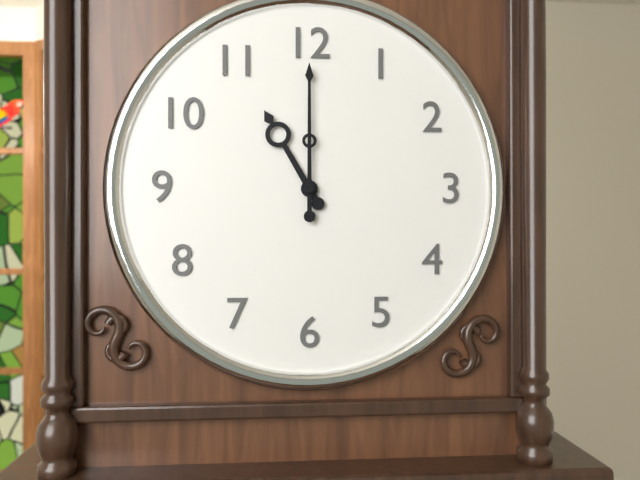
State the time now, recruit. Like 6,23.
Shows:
11,00
